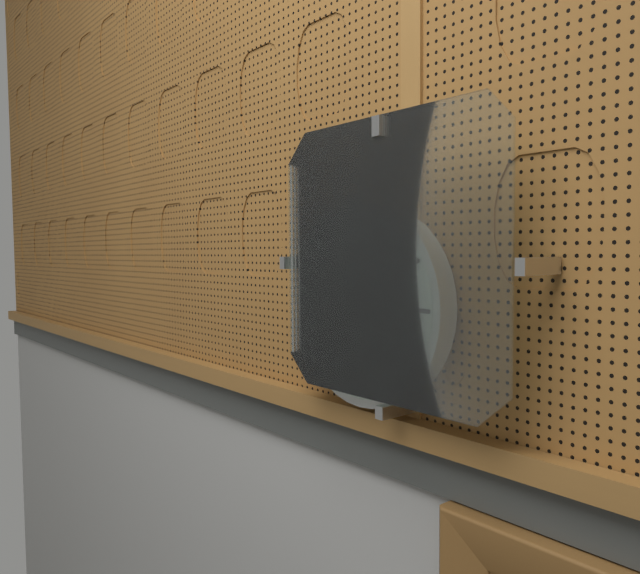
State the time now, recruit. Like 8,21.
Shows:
2,19
